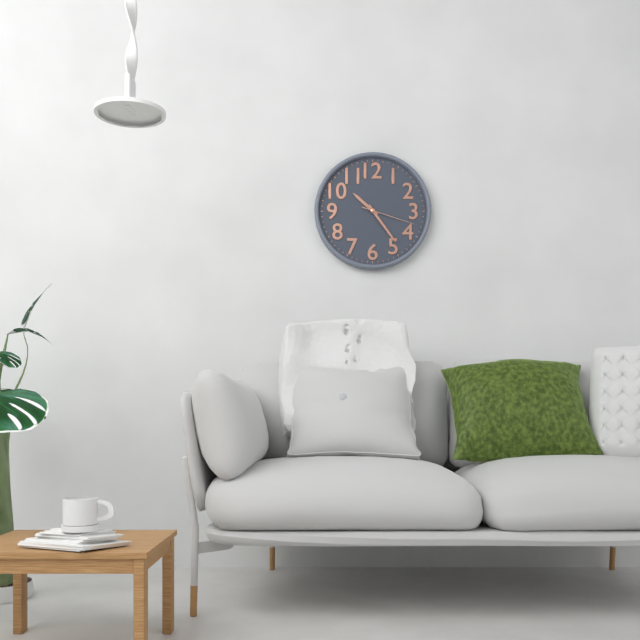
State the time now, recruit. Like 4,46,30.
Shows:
10,24,18
